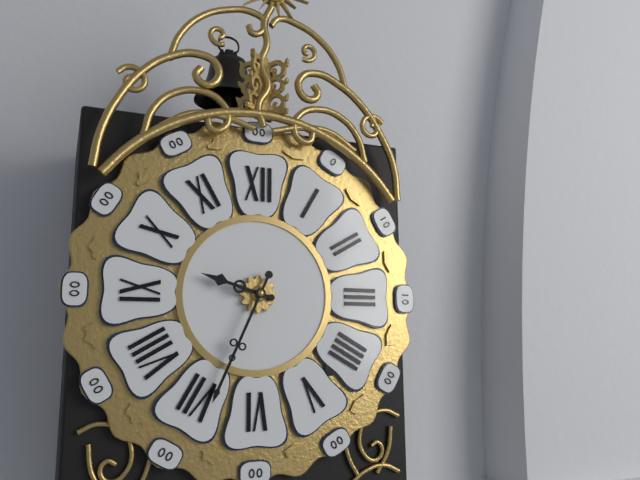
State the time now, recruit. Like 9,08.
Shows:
9,34
